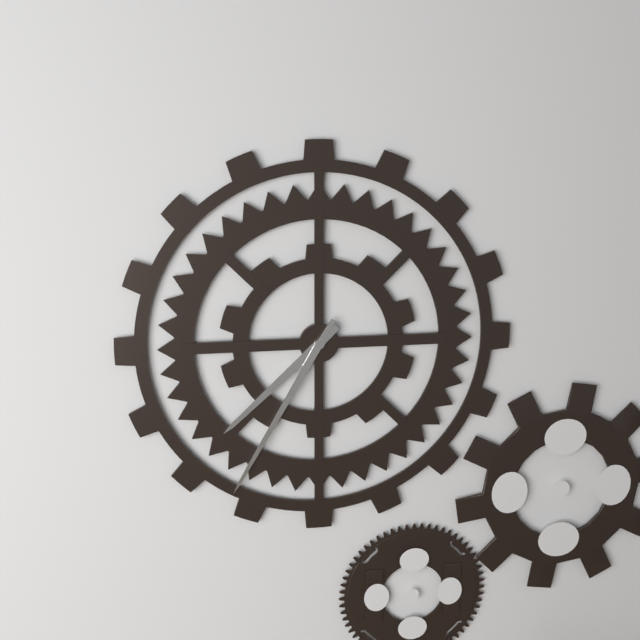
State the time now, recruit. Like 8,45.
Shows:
7,35
